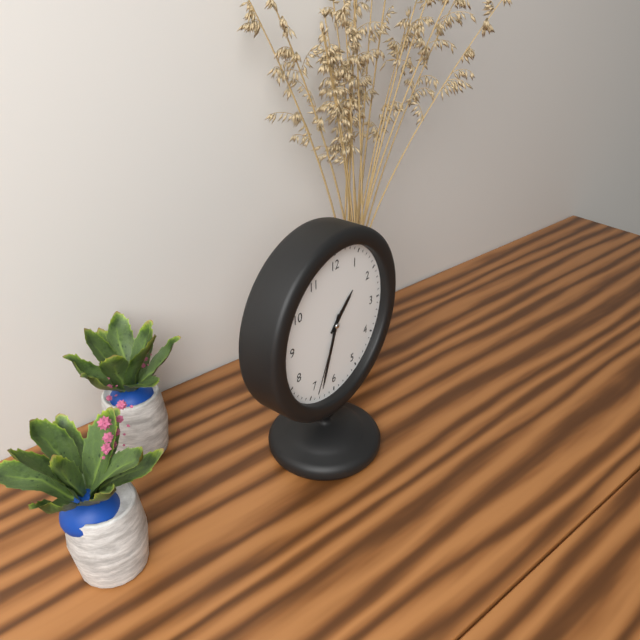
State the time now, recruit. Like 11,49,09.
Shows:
1,33,34
